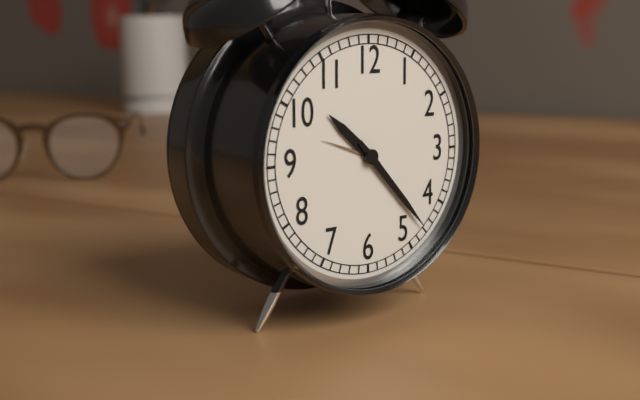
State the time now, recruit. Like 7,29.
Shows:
10,23
